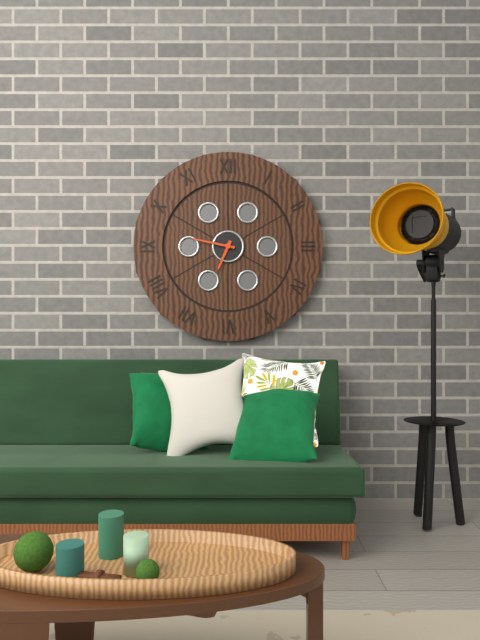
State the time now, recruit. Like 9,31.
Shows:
6,47
